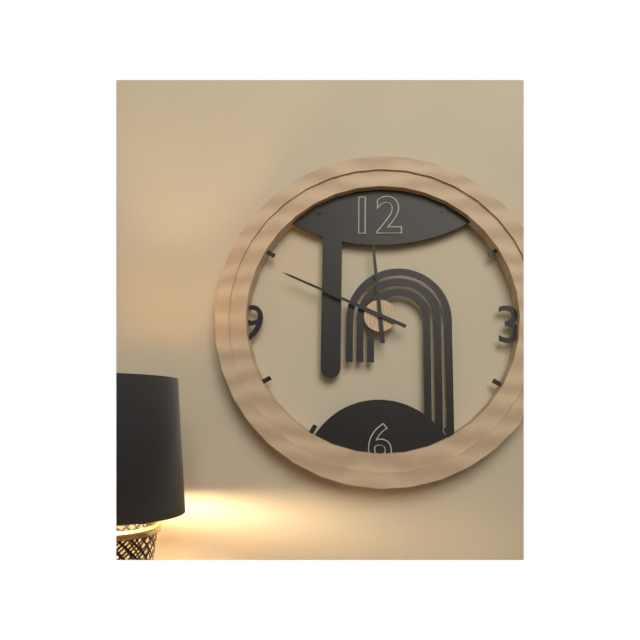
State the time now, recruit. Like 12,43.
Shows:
11,49
